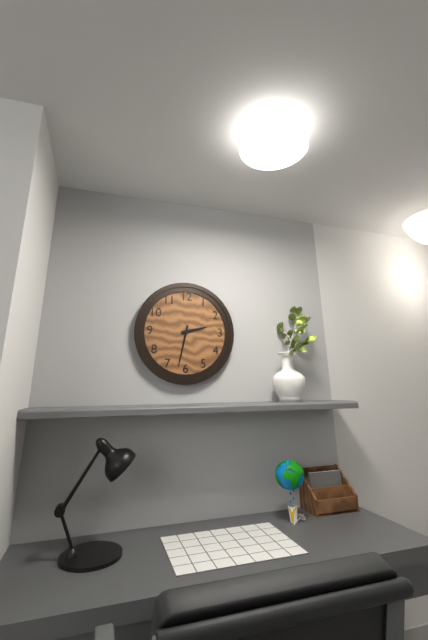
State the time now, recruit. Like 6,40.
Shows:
2,32
